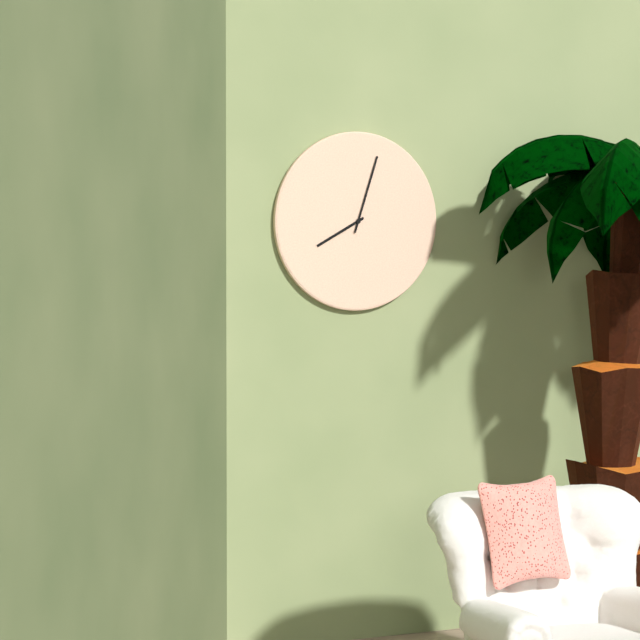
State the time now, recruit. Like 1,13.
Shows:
8,03
